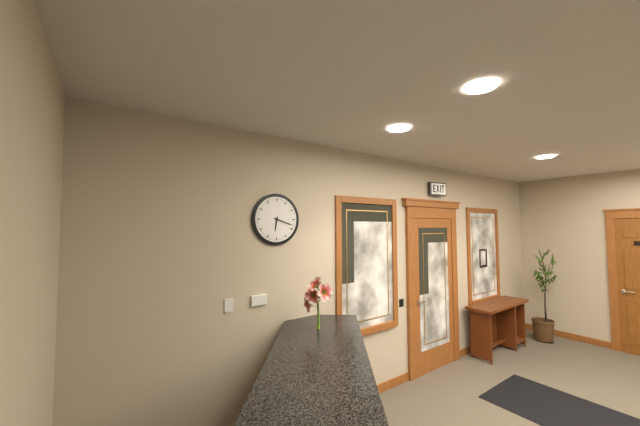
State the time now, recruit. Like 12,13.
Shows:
6,18
